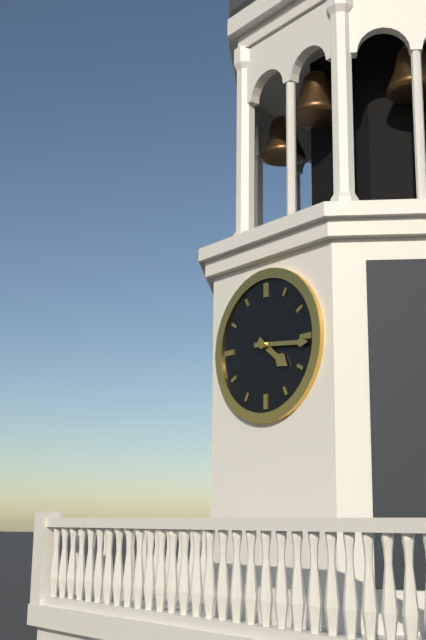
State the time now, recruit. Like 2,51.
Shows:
4,16
